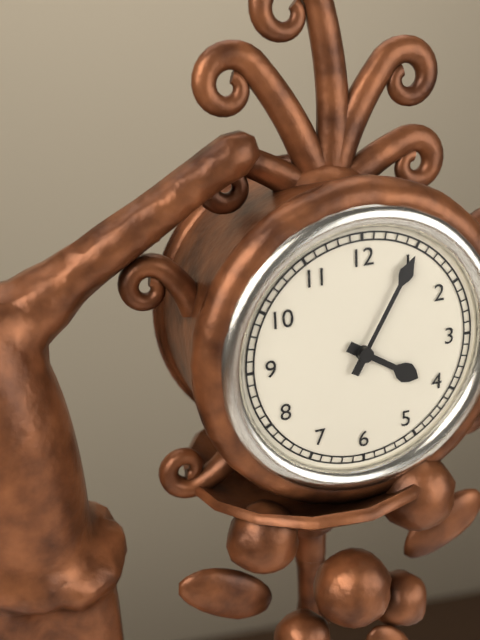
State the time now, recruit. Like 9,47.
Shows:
4,05
